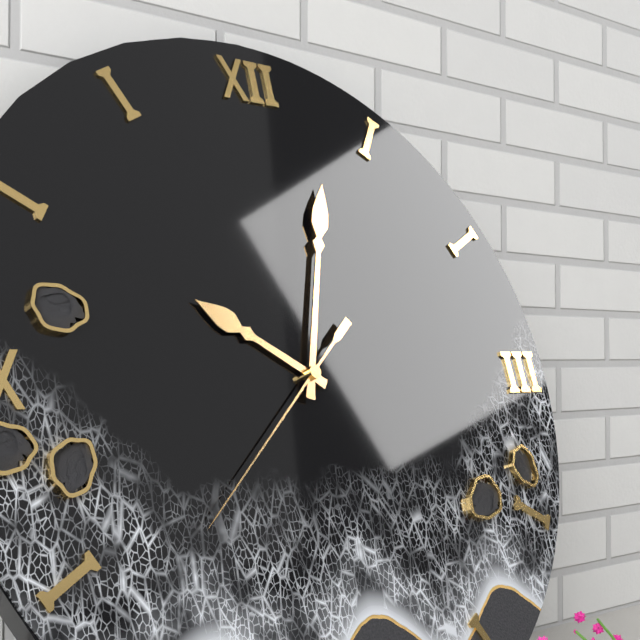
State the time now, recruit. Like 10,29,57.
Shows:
10,03,38
